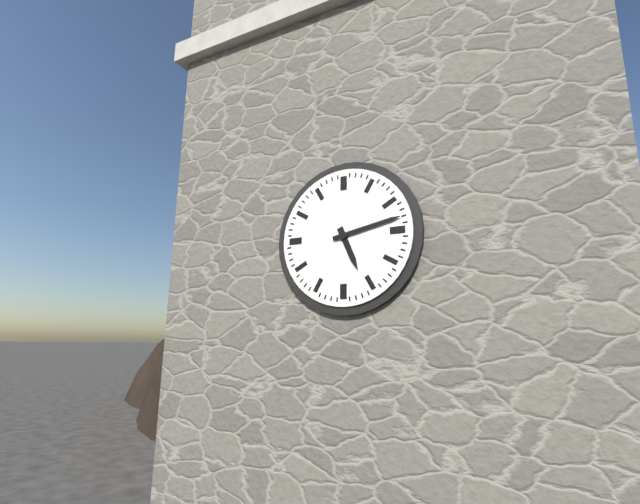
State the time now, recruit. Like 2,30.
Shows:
5,13
